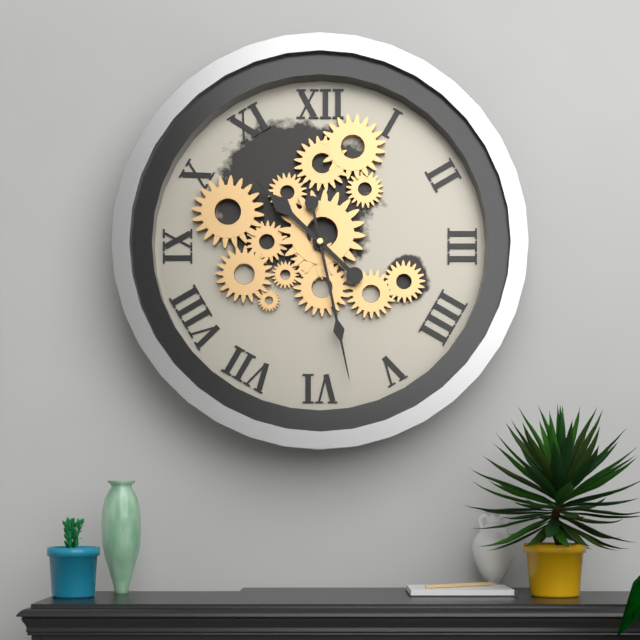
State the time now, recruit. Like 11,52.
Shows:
10,28
